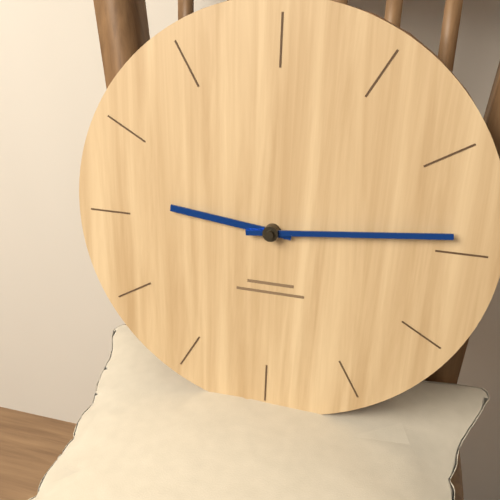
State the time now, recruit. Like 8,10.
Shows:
9,14
